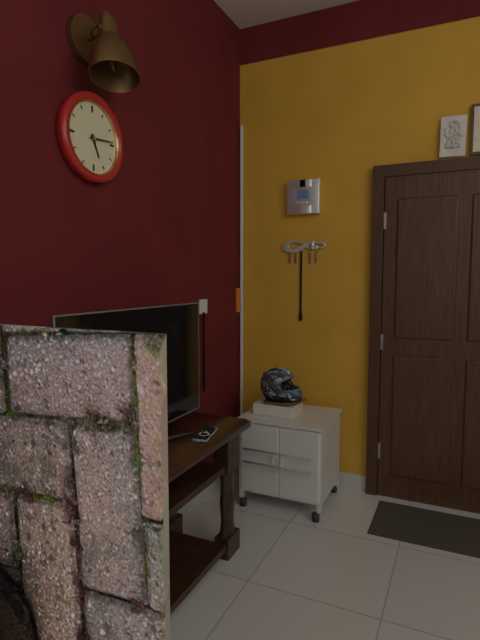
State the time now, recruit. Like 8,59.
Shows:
5,14
